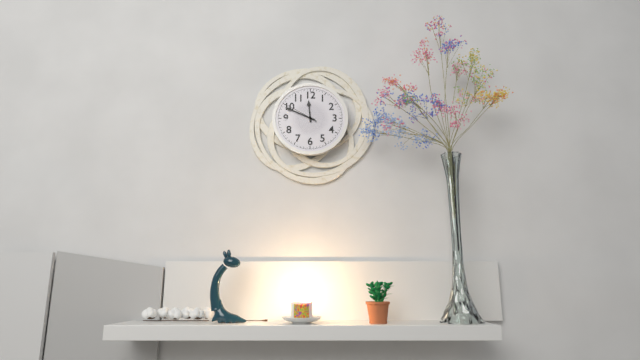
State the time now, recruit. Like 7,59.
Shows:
11,49
